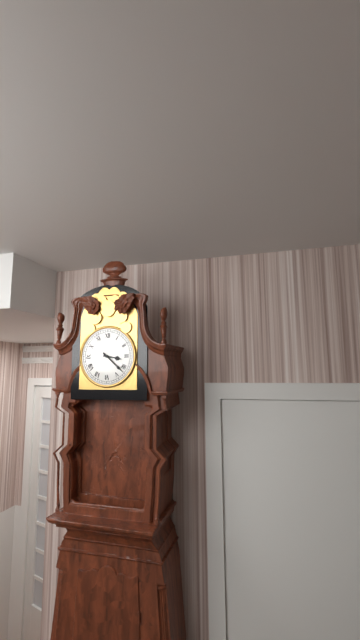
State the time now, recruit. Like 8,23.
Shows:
3,22
